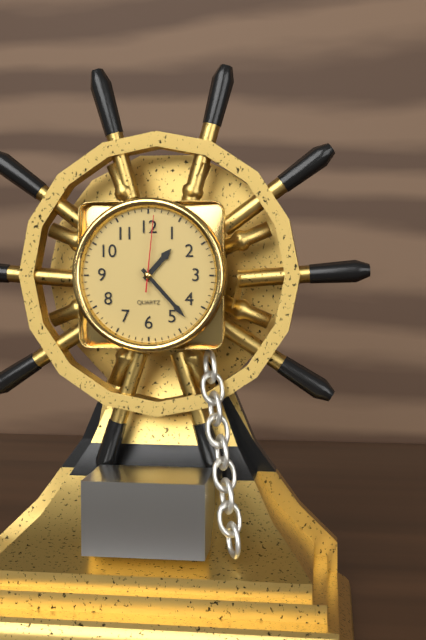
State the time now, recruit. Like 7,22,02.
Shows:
1,23,01
